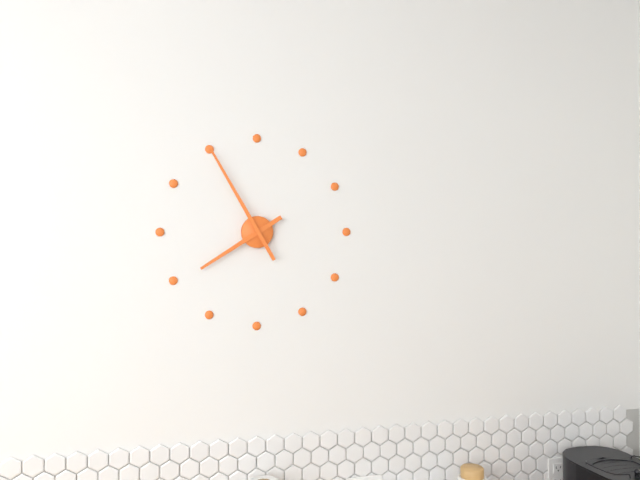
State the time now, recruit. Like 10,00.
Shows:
7,55
